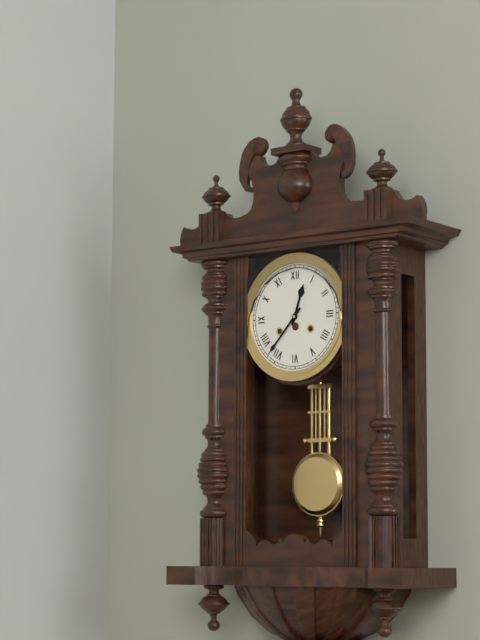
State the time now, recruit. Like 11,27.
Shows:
12,37
